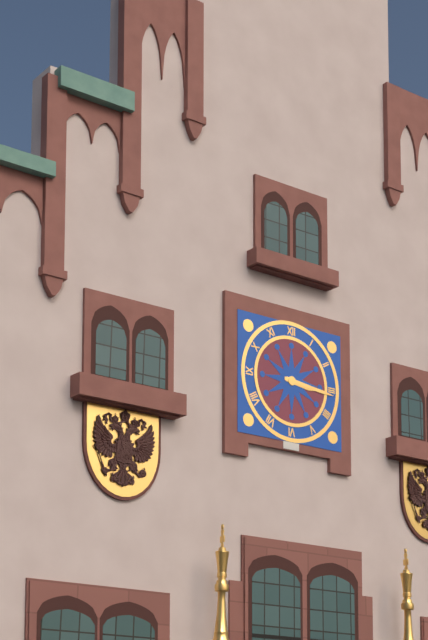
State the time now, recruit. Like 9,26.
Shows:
3,16
